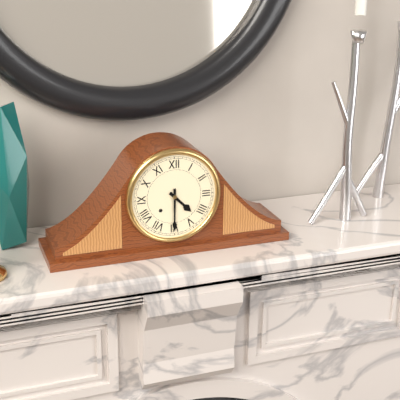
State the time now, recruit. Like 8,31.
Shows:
4,30
